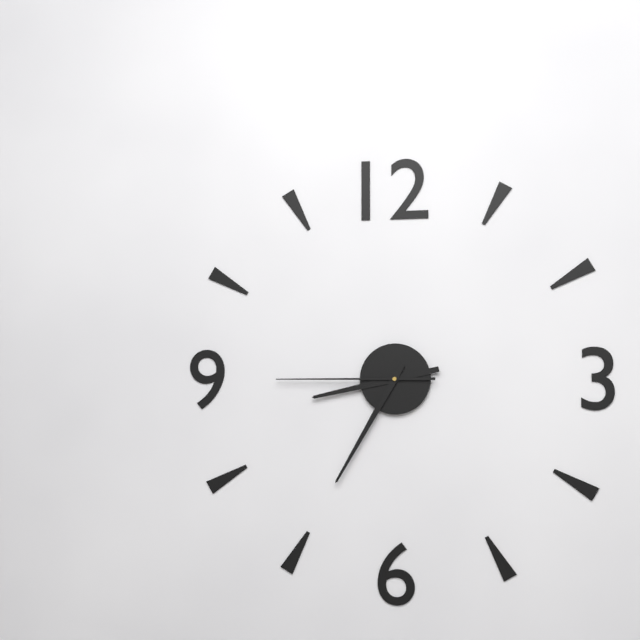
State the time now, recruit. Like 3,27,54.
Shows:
8,35,45
